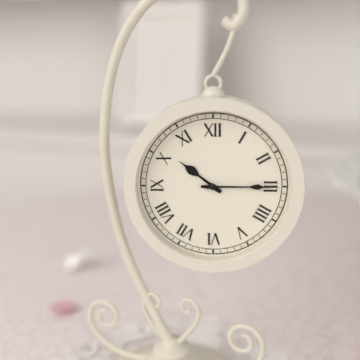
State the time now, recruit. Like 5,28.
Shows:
10,15
